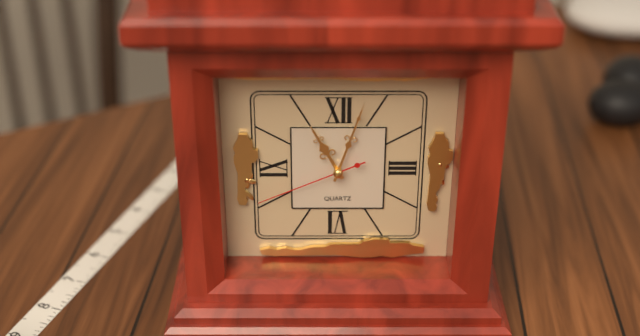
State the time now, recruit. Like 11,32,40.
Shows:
11,03,41
